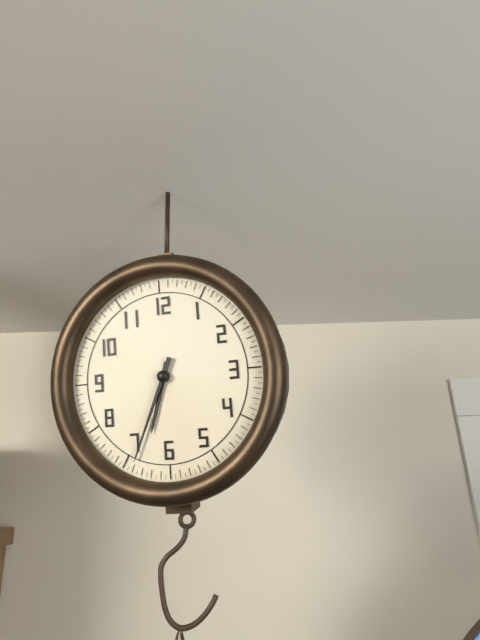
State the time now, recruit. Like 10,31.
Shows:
6,34
